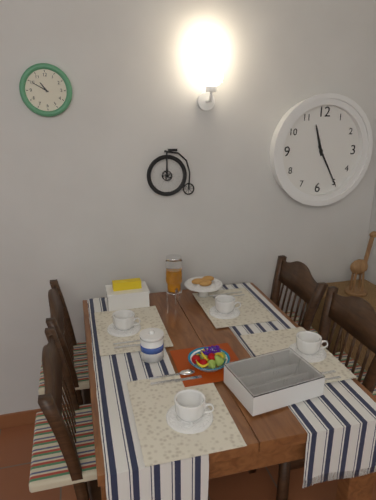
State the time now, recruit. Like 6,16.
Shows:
11,25
